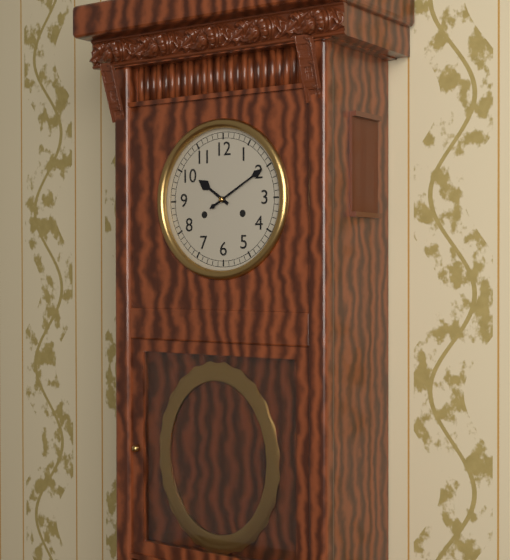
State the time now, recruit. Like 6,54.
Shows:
10,10
